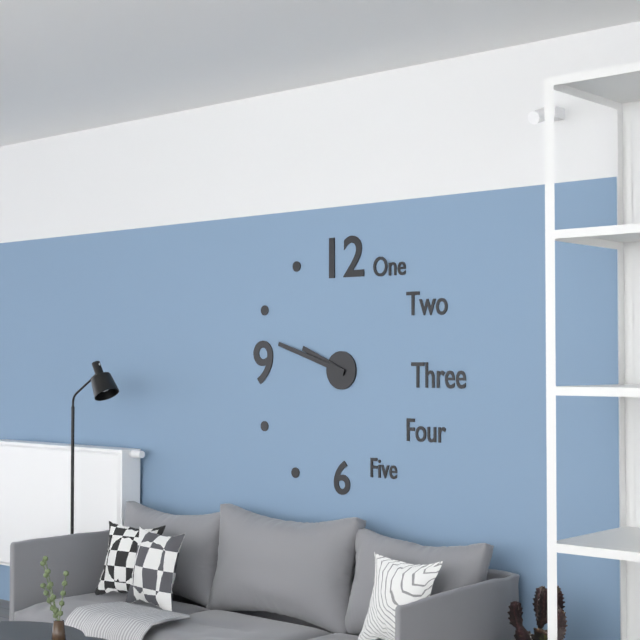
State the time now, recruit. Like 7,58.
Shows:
9,48
